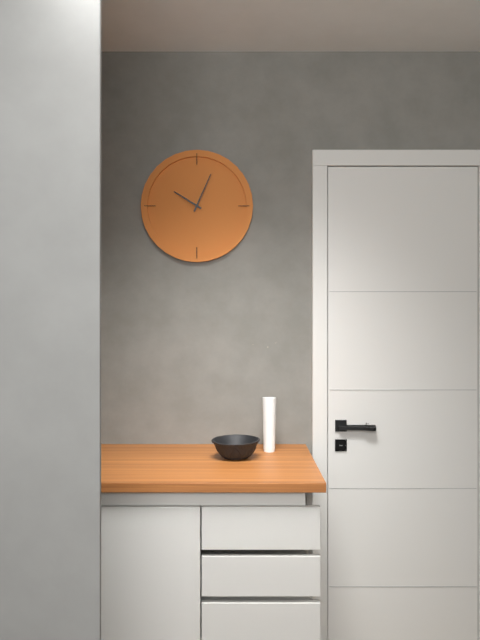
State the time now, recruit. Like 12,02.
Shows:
10,04
